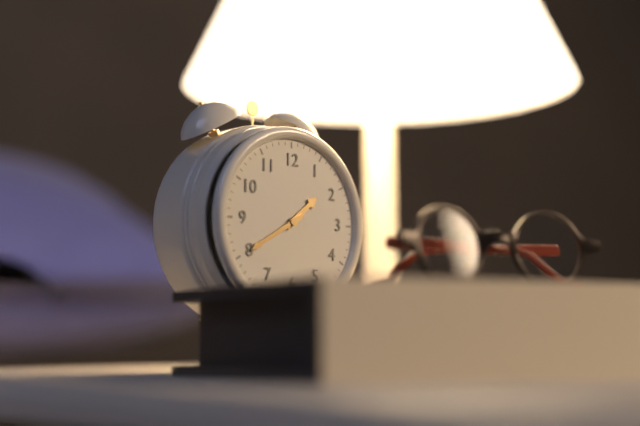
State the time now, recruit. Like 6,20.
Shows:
1,40
